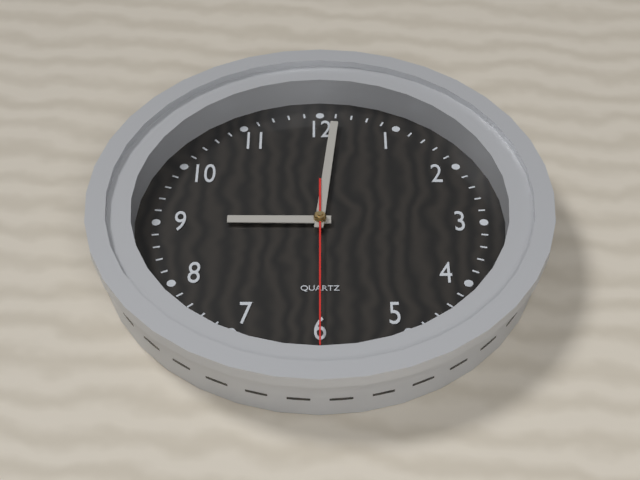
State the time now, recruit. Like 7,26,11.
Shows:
9,01,30
